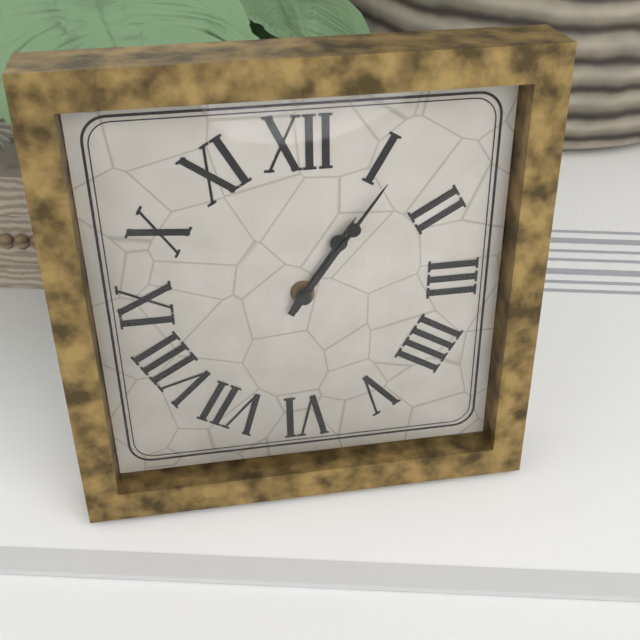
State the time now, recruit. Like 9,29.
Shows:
1,06
